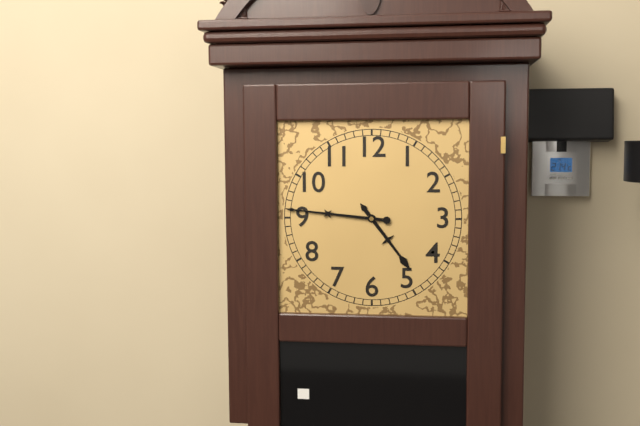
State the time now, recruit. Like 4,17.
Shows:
4,46
